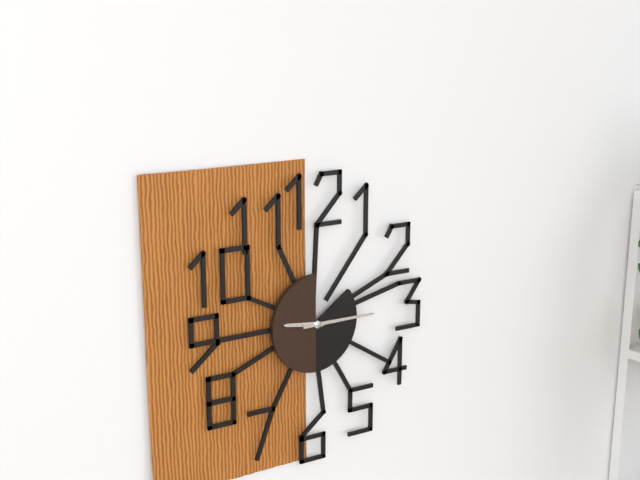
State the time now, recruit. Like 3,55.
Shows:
9,15
